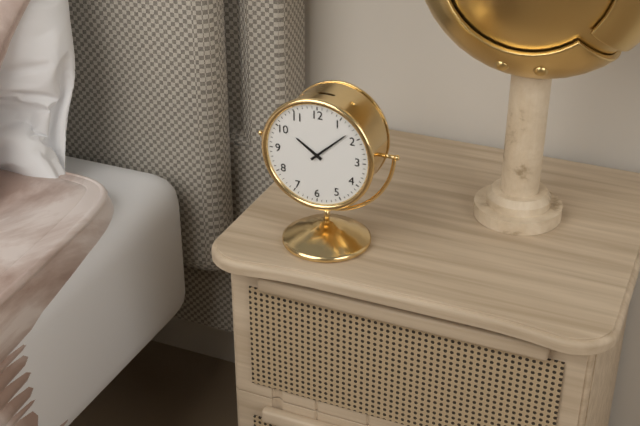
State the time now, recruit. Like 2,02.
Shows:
10,08
